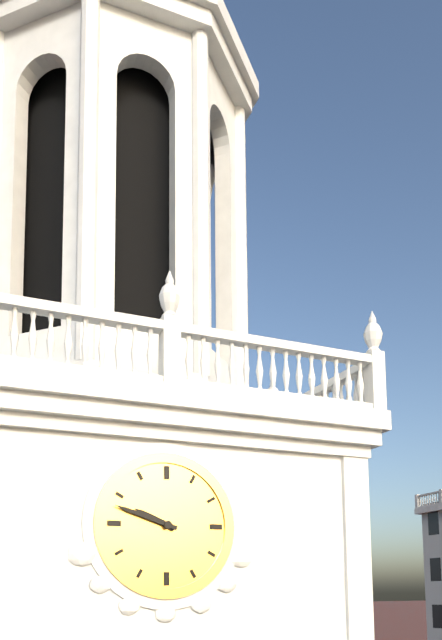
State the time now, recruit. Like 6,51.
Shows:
9,48
